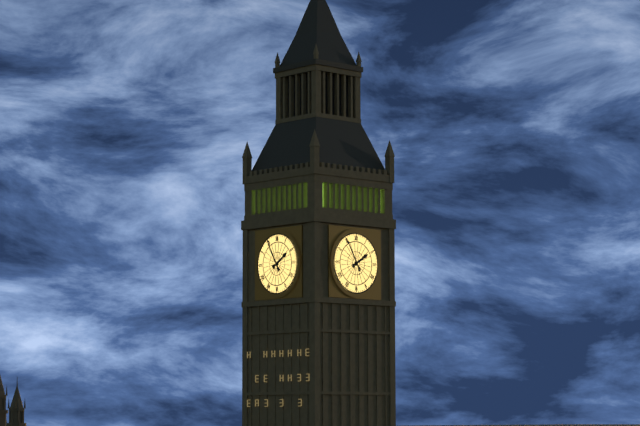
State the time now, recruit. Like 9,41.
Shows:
1,55
